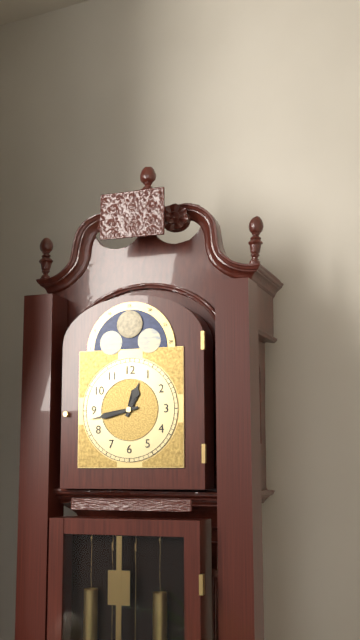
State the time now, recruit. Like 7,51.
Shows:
12,43
